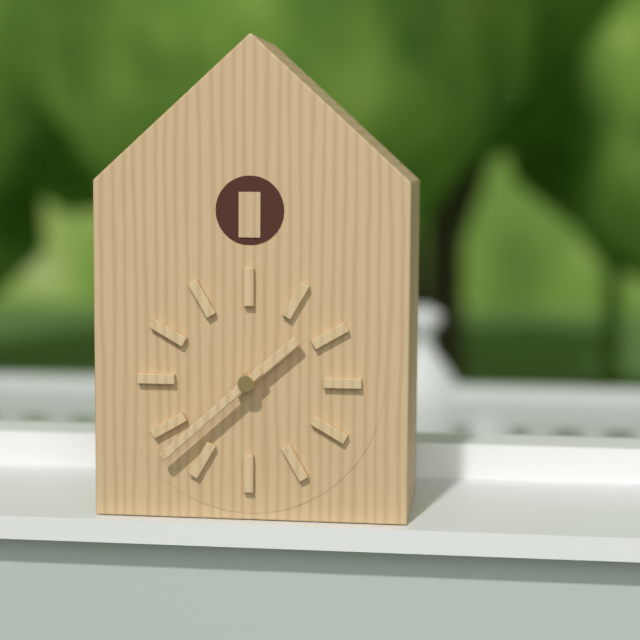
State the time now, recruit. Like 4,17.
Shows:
1,38
